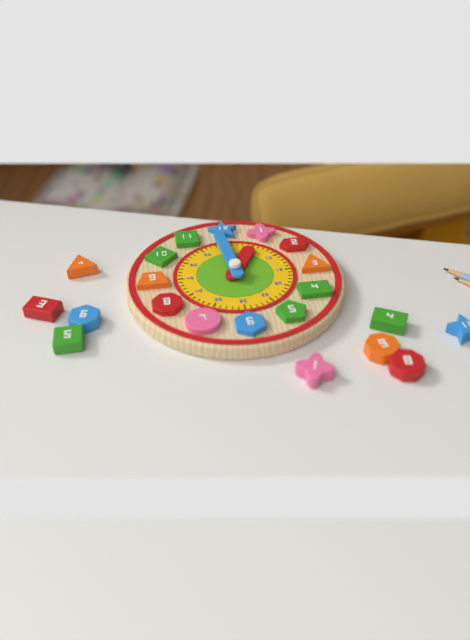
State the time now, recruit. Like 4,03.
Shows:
12,59
